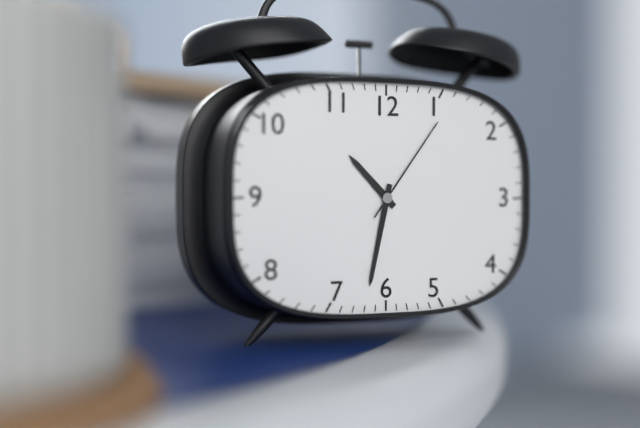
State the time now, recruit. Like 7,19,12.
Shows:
10,32,06
